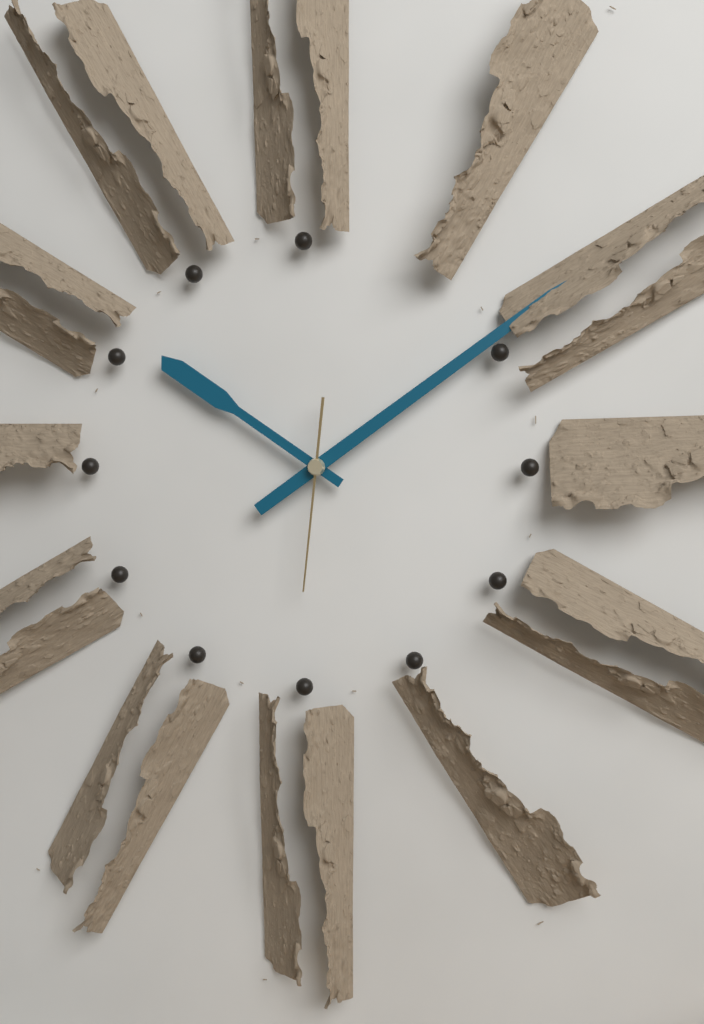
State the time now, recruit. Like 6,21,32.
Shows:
10,09,31
